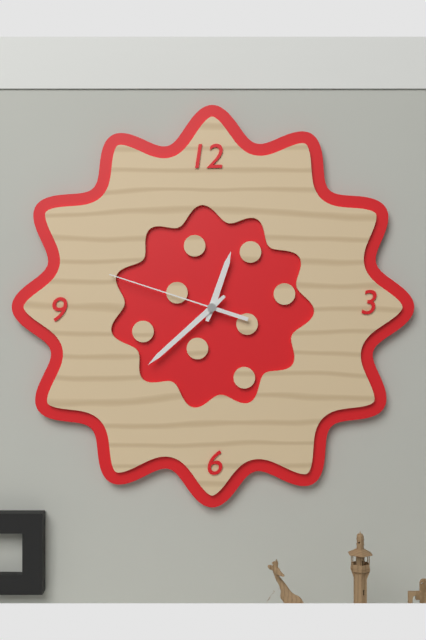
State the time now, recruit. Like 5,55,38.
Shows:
12,38,48
